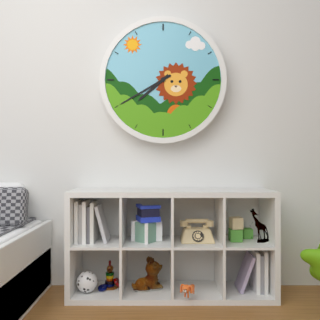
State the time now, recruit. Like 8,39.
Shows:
7,40
